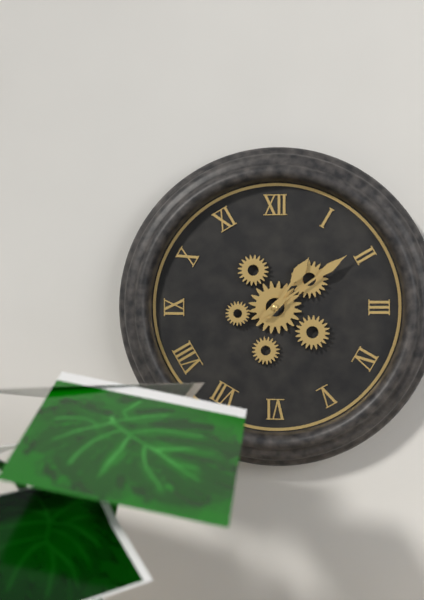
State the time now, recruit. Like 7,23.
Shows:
1,09
